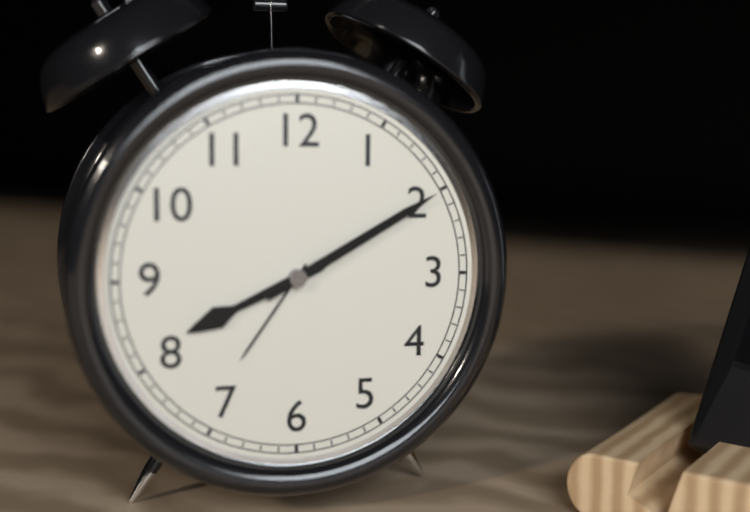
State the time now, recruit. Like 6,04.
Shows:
8,10
